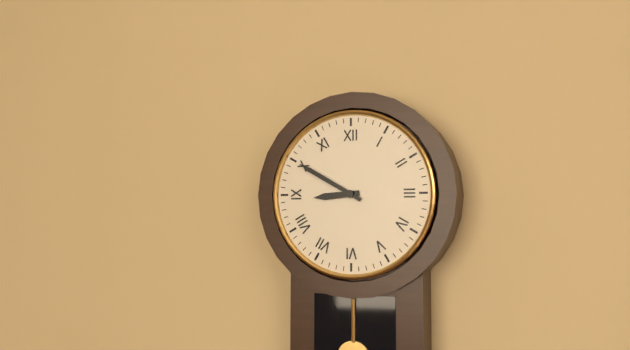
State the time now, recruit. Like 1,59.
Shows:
8,50
